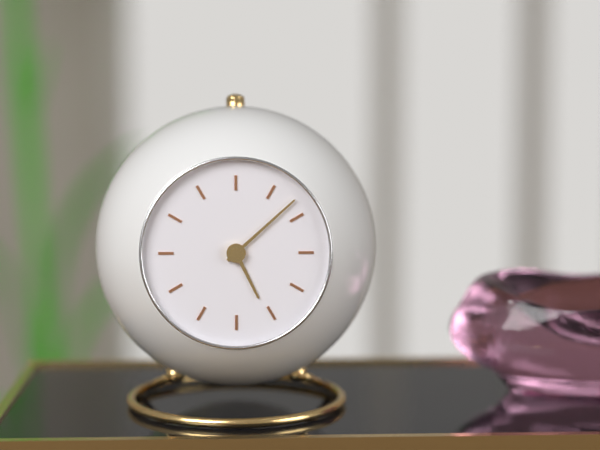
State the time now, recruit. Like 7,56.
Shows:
5,08
